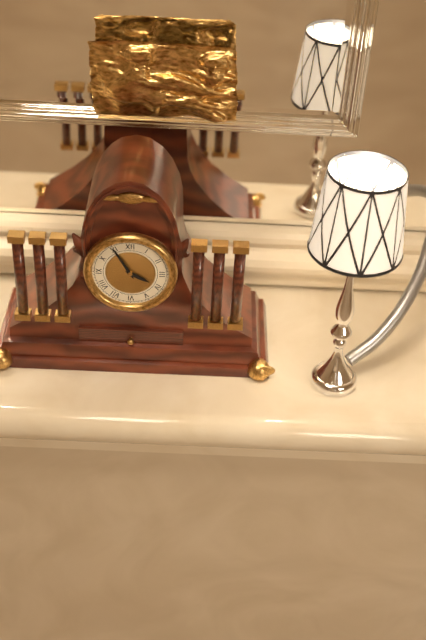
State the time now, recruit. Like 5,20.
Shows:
3,55
